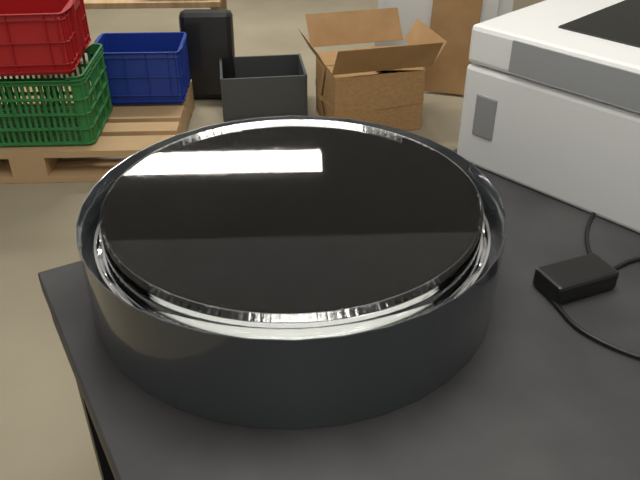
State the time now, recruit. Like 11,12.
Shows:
10,43
